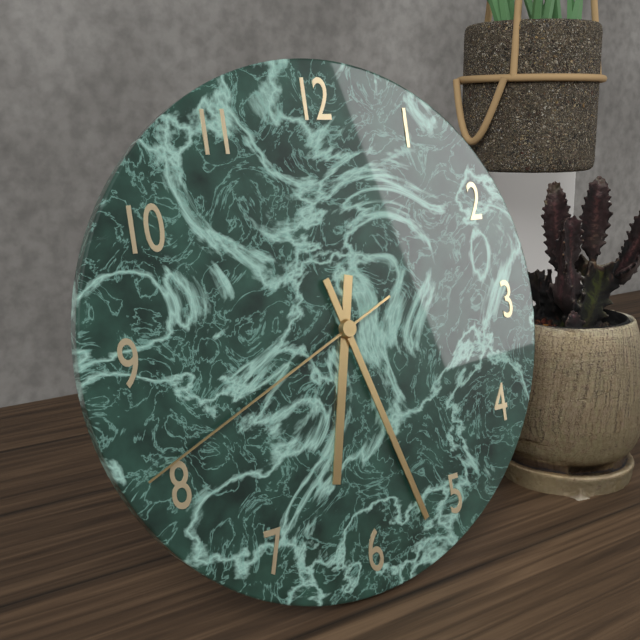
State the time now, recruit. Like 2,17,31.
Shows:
6,27,41
